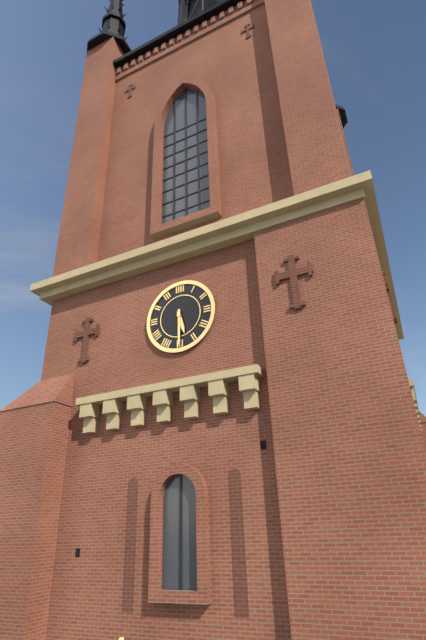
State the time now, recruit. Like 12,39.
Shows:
5,30
